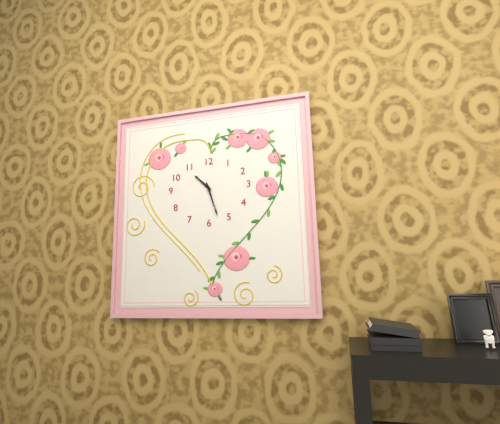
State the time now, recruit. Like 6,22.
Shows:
10,27
